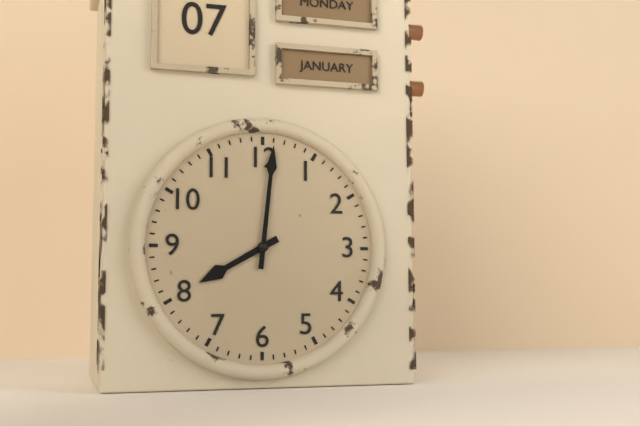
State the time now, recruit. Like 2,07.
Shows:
8,01
